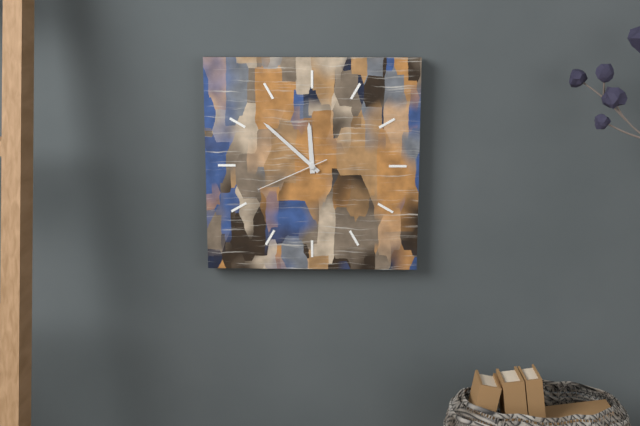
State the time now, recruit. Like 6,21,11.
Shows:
11,52,41
